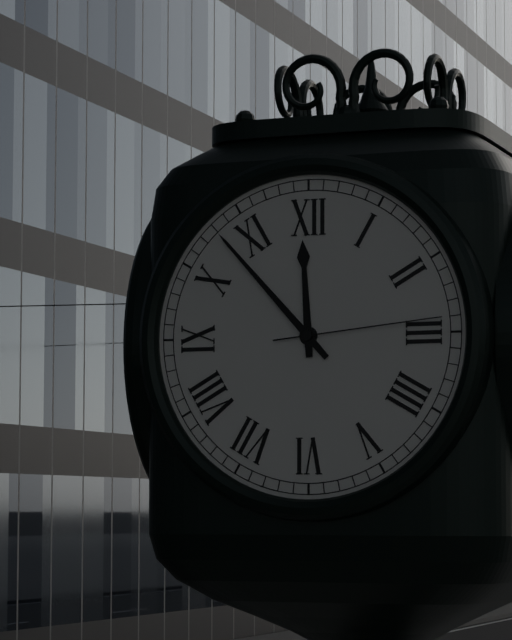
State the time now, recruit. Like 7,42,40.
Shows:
11,53,14
